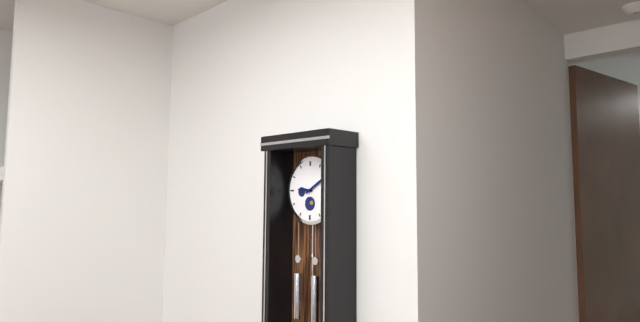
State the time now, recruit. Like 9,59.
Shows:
9,10
